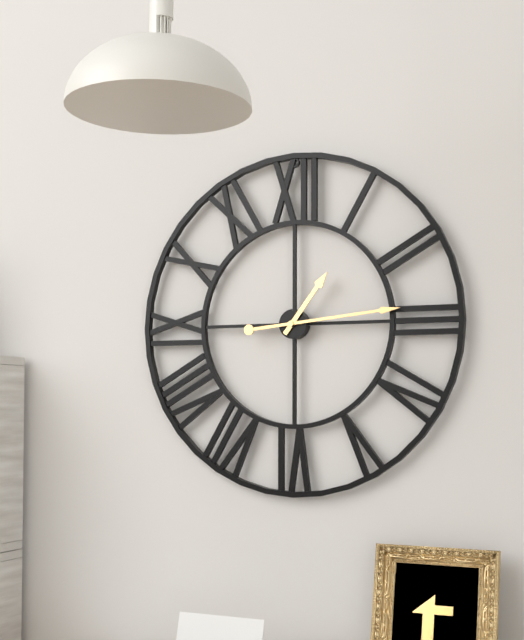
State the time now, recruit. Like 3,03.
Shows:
1,14
